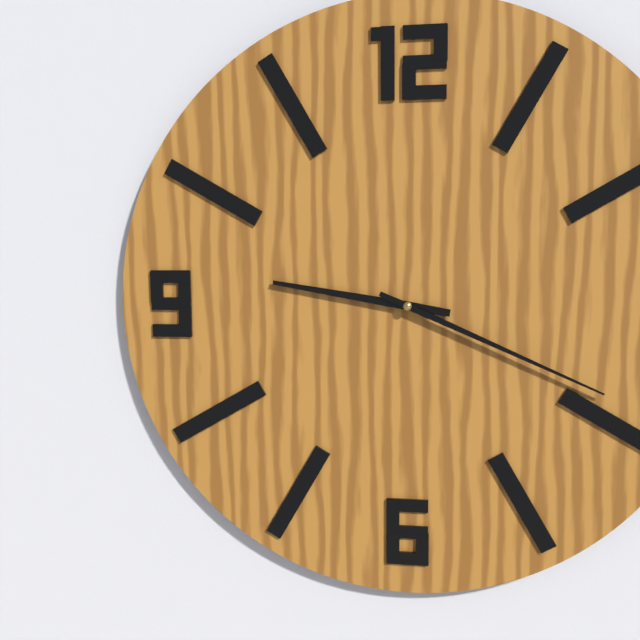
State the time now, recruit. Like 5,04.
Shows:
9,19
